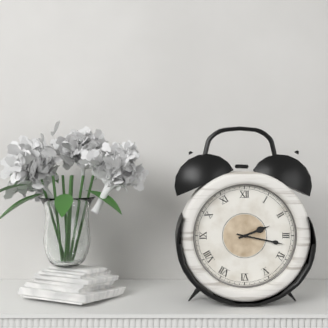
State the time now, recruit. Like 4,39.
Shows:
2,17
